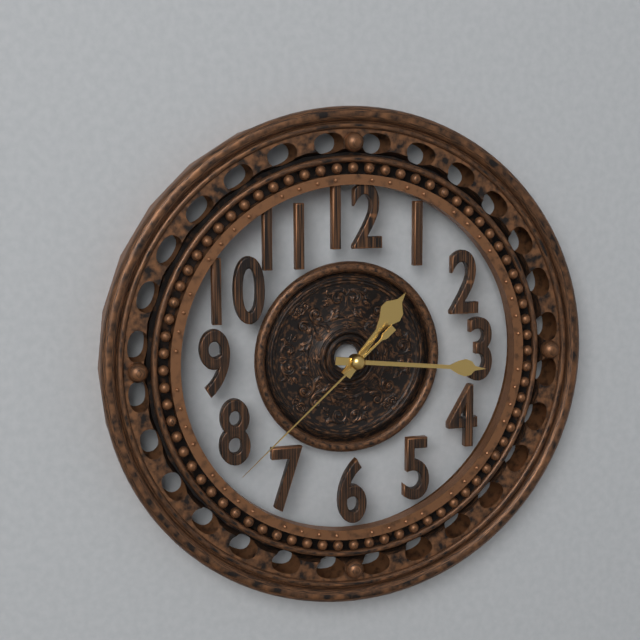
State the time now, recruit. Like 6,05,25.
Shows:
1,16,38
